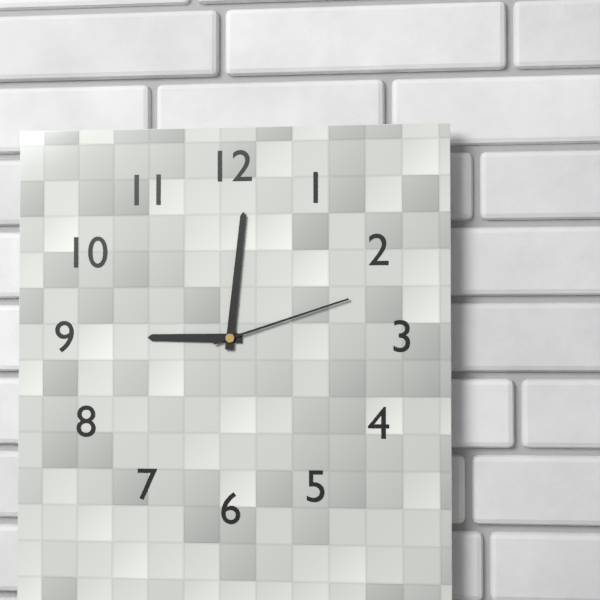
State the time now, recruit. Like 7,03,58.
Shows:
9,01,12
